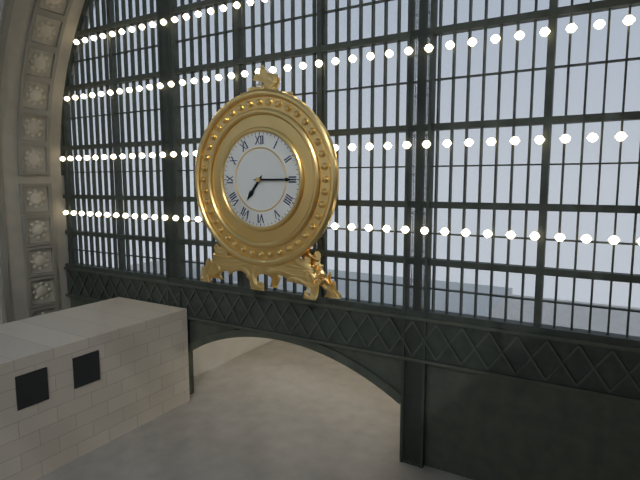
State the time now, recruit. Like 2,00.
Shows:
7,15
